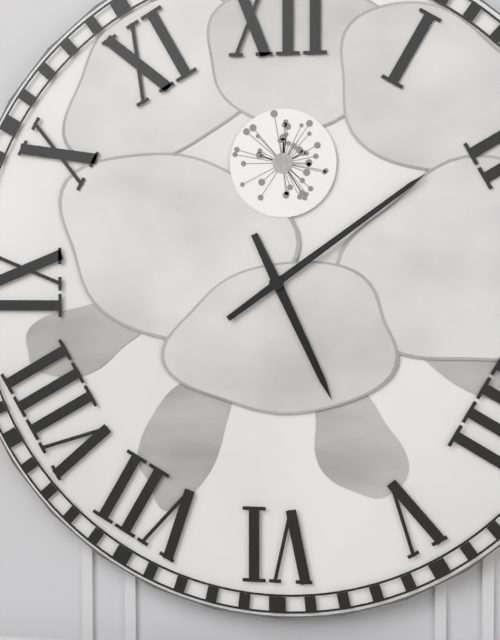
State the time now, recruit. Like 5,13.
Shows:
5,09
